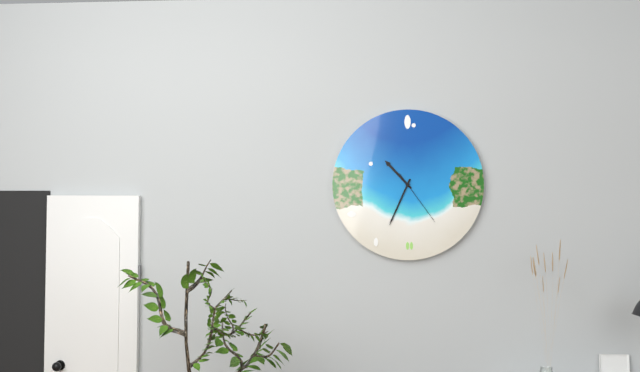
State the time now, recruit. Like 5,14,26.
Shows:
10,34,24
